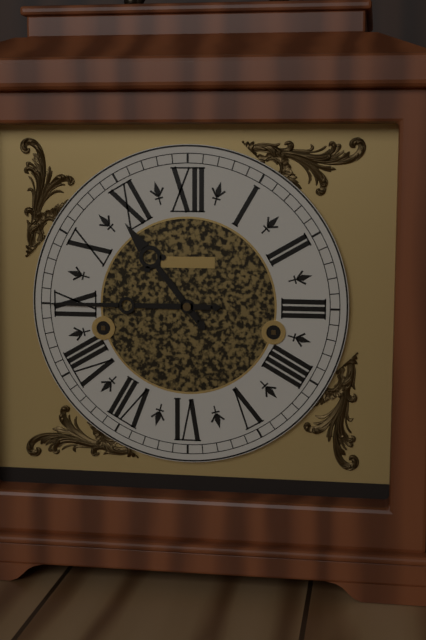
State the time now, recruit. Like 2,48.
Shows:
10,45
